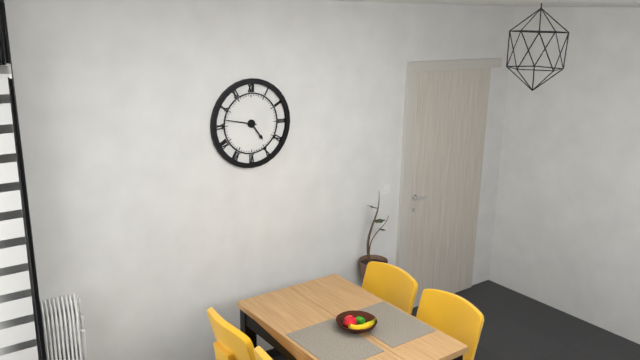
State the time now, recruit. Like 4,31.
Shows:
4,47
